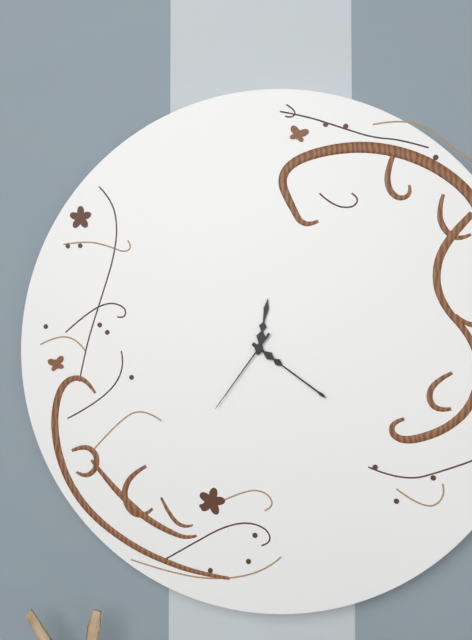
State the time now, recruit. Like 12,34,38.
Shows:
12,21,36
